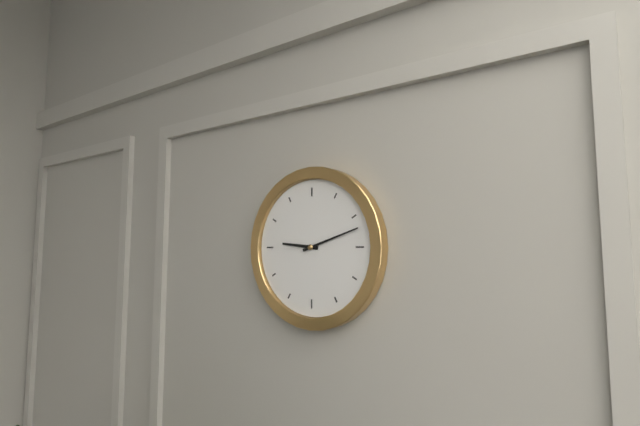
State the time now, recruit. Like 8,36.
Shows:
9,12
